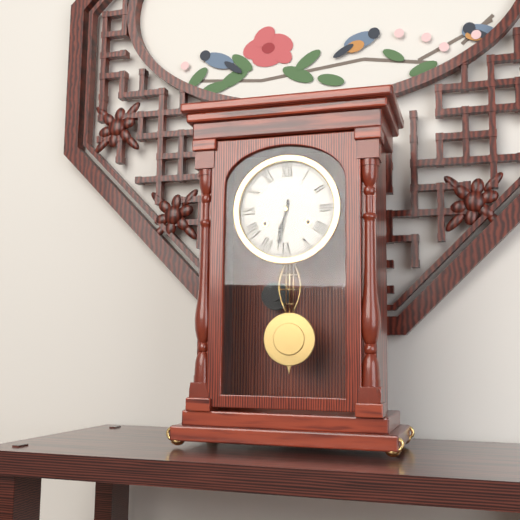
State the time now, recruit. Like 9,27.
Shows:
6,32
